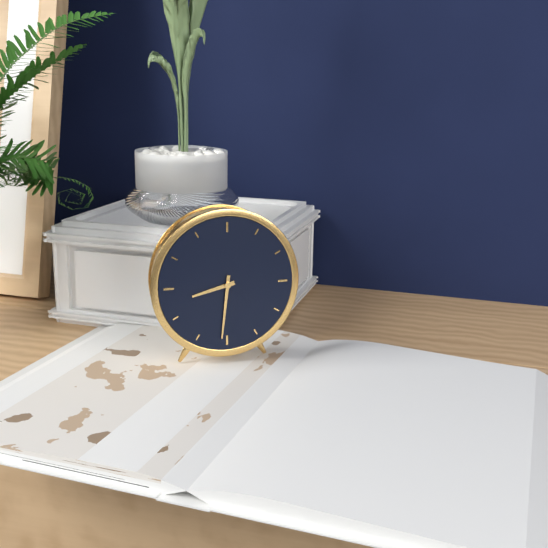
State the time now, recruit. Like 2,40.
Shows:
8,31
